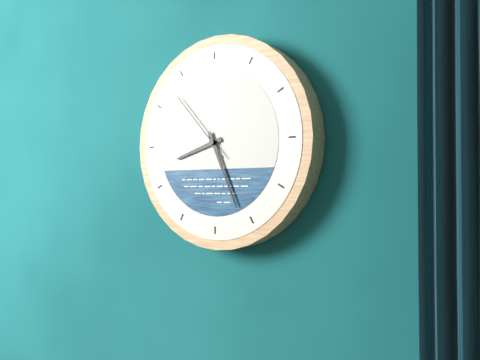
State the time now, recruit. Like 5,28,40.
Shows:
8,26,53
